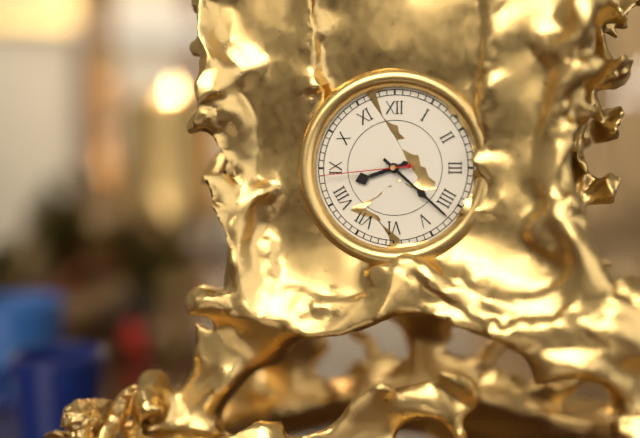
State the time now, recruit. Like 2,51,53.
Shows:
8,22,44
